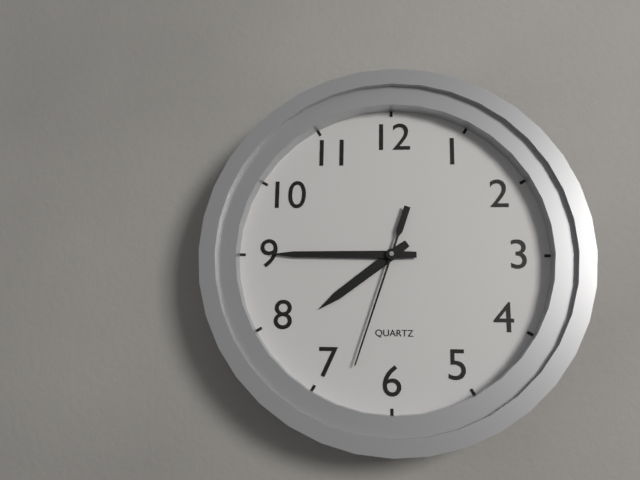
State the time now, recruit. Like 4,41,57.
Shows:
7,45,33
